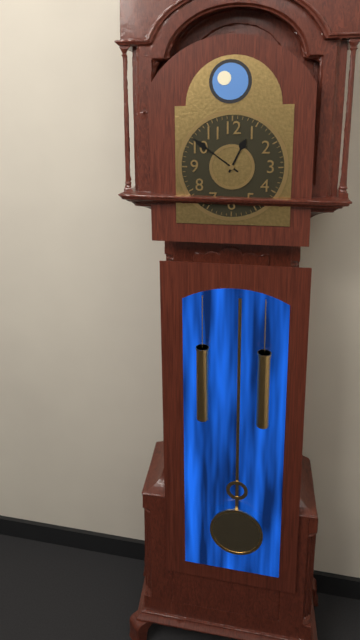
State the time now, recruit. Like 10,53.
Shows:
12,51
